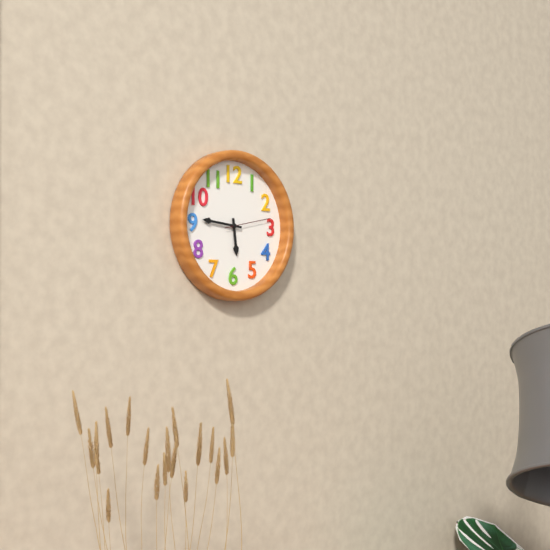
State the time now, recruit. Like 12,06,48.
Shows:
5,46,13
